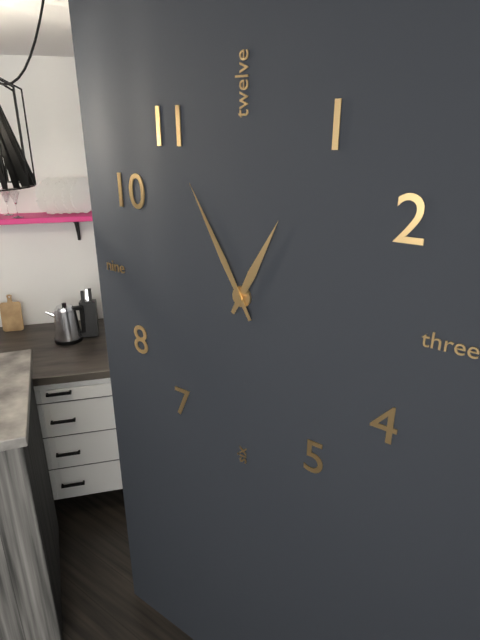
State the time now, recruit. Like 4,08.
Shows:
12,55
